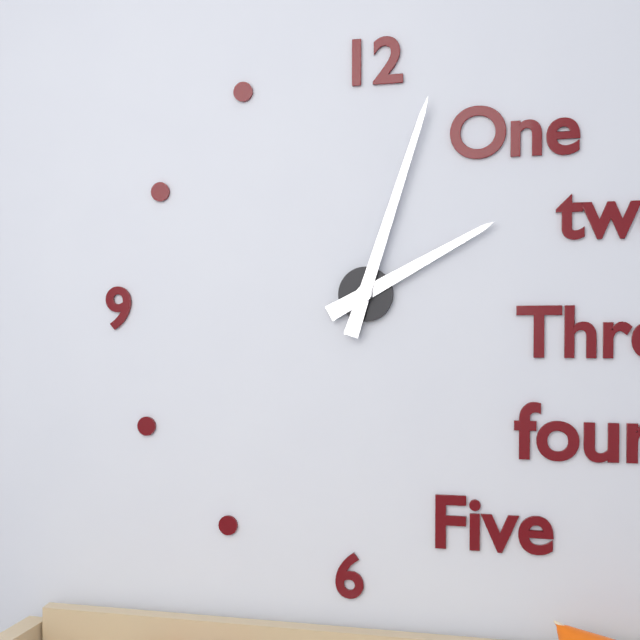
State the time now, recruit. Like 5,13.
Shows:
2,03
